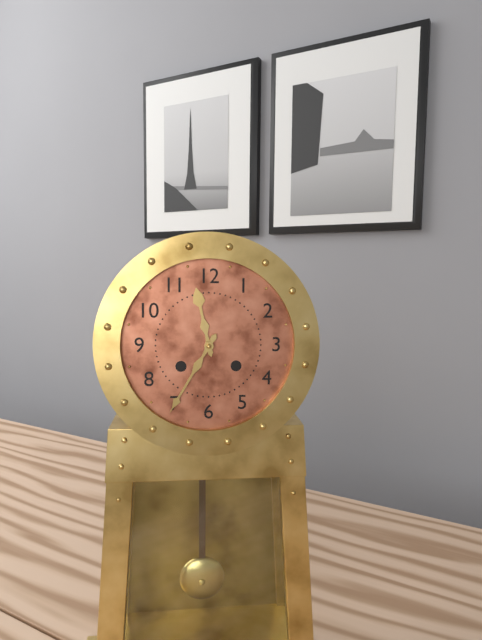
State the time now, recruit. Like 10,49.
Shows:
11,35
